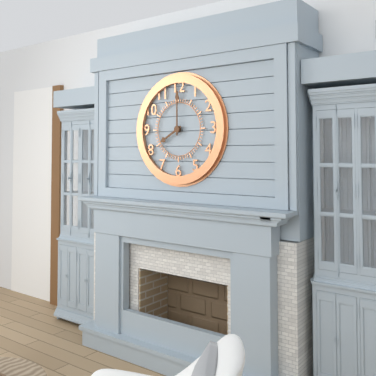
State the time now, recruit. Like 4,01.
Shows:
8,00
